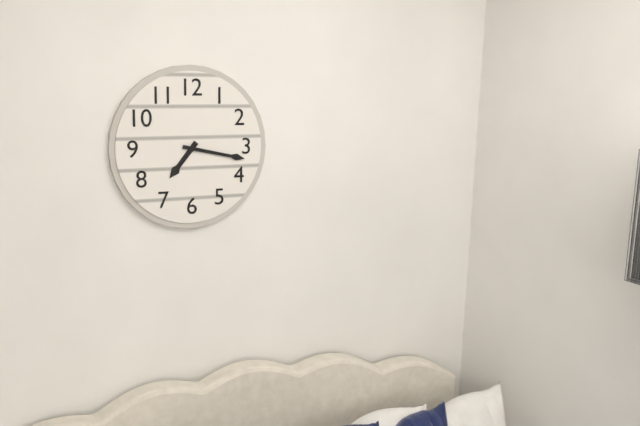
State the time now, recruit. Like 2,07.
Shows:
7,17
